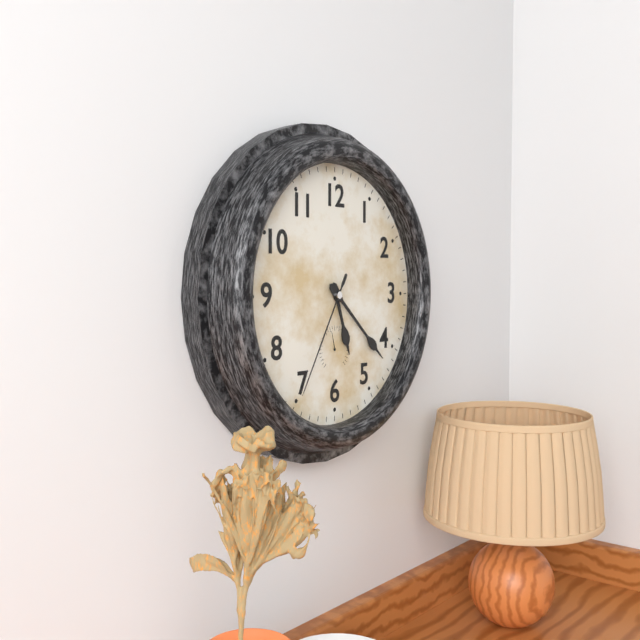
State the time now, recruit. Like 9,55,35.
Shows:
5,22,35
